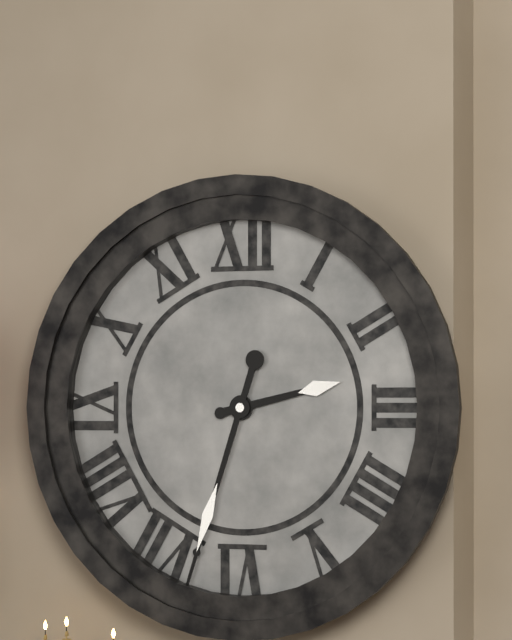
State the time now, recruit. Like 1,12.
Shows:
2,33
